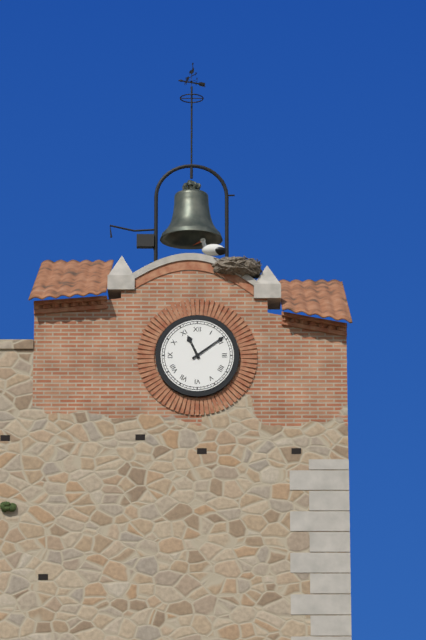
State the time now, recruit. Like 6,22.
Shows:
11,09
